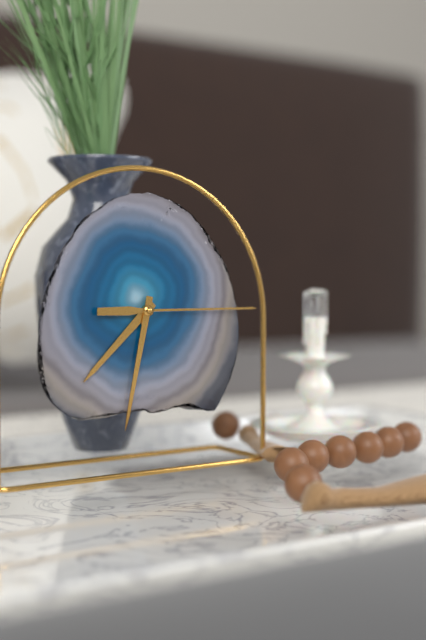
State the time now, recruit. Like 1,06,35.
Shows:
7,32,15
